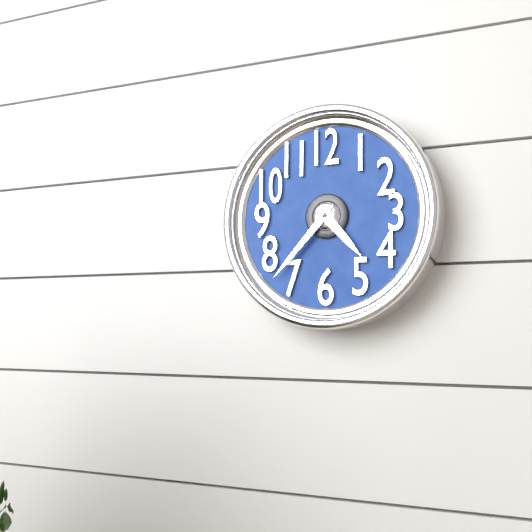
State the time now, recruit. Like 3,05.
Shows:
4,37
